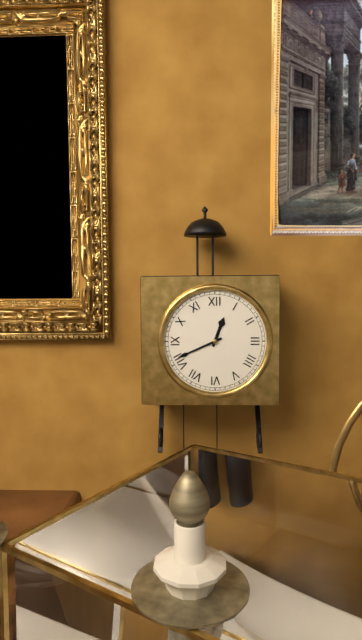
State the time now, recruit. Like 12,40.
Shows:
12,41
